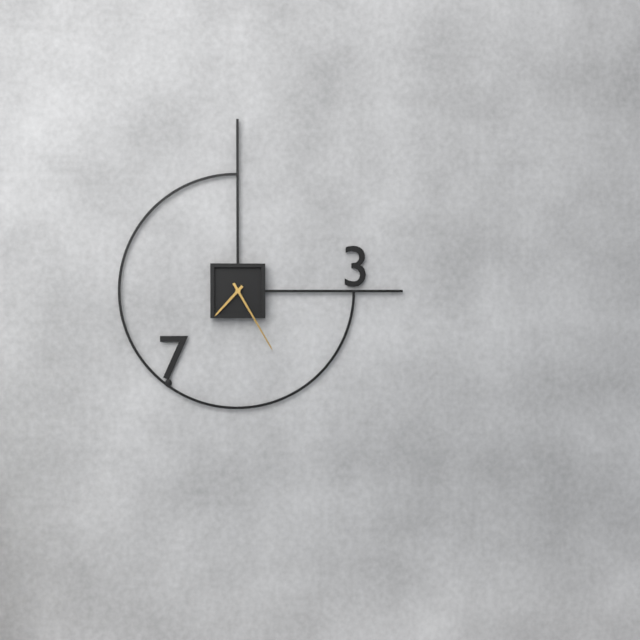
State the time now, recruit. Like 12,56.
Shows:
7,25
